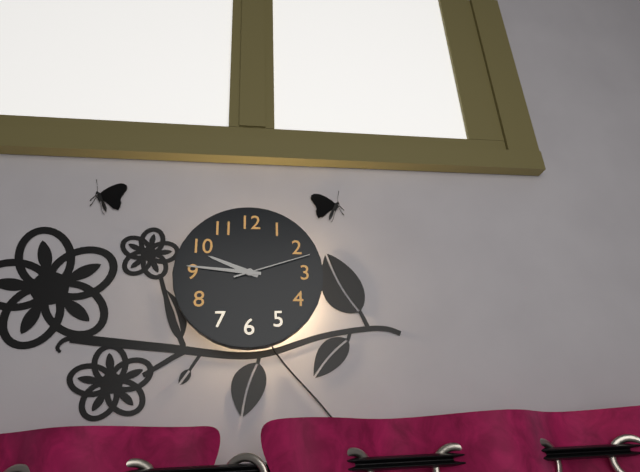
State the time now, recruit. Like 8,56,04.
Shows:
9,46,12
